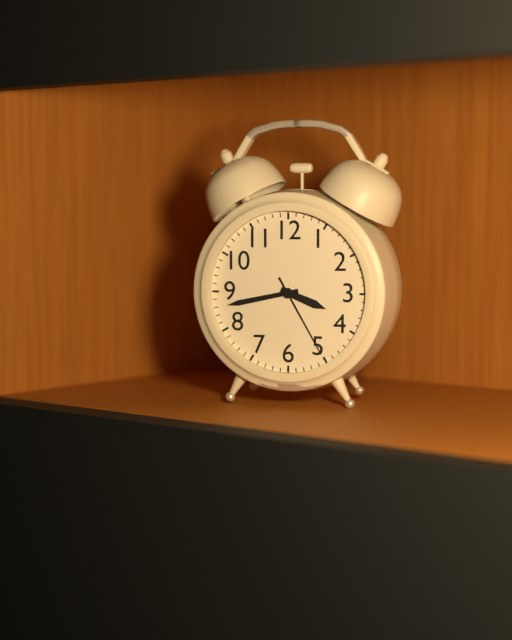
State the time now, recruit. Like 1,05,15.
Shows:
3,43,25
